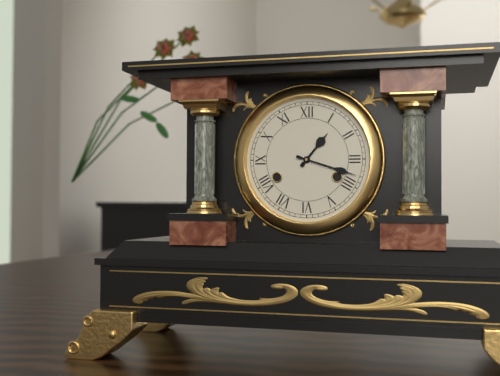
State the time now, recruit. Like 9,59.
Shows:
1,18
